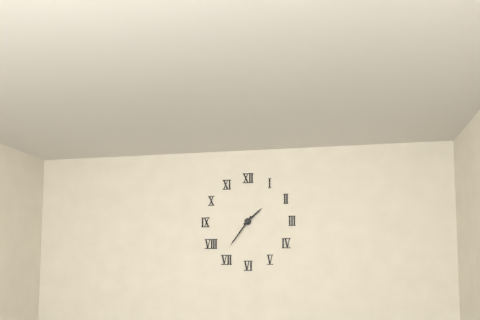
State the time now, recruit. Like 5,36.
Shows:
1,36
